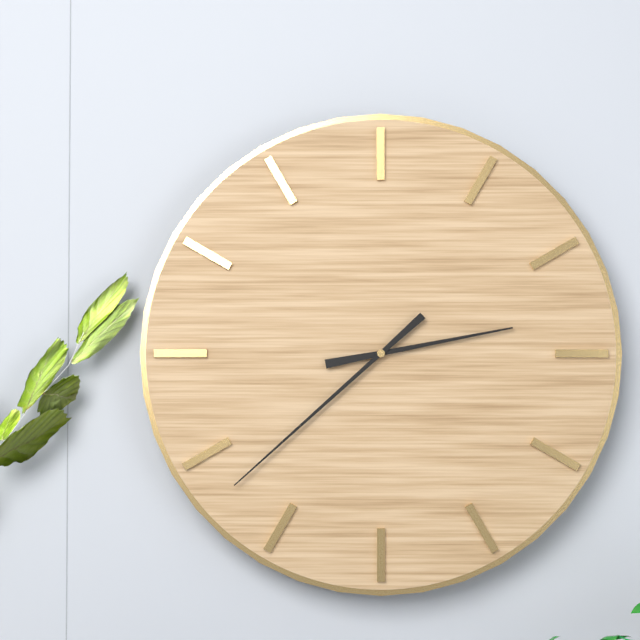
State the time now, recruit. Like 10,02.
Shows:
2,38
